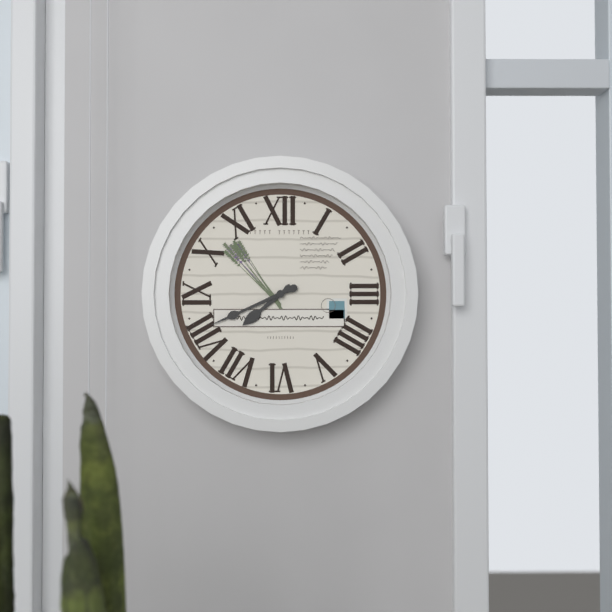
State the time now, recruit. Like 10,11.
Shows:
7,41
